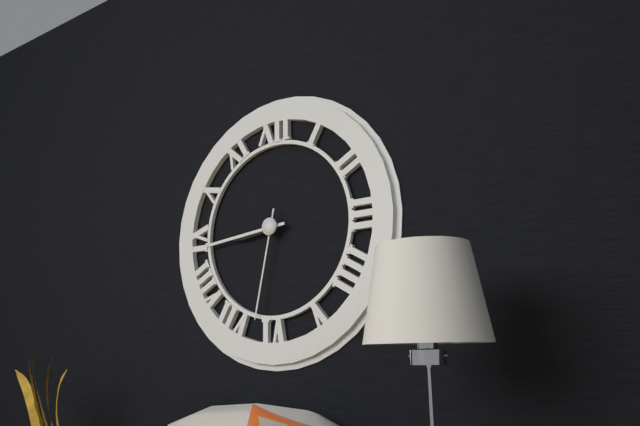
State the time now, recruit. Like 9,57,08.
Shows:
8,44,32
